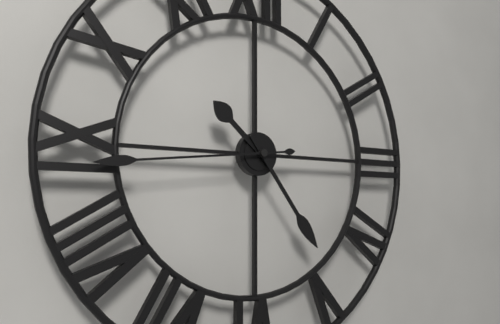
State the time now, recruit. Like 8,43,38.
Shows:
10,24,44
